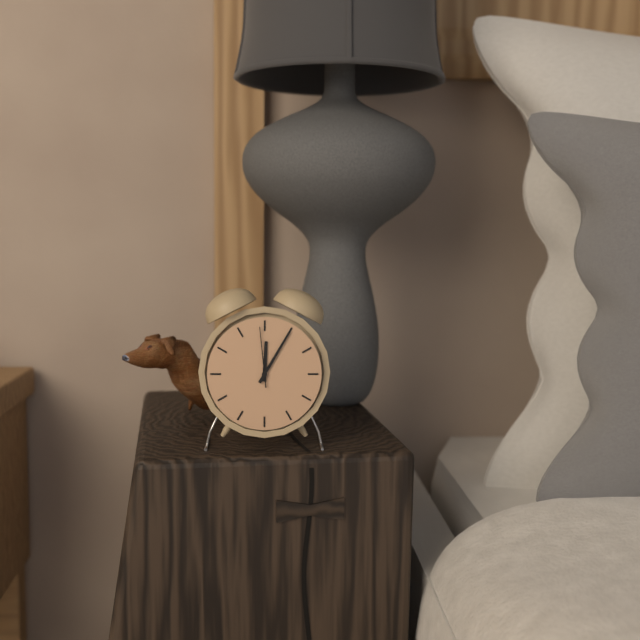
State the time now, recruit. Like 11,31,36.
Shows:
12,05,59
